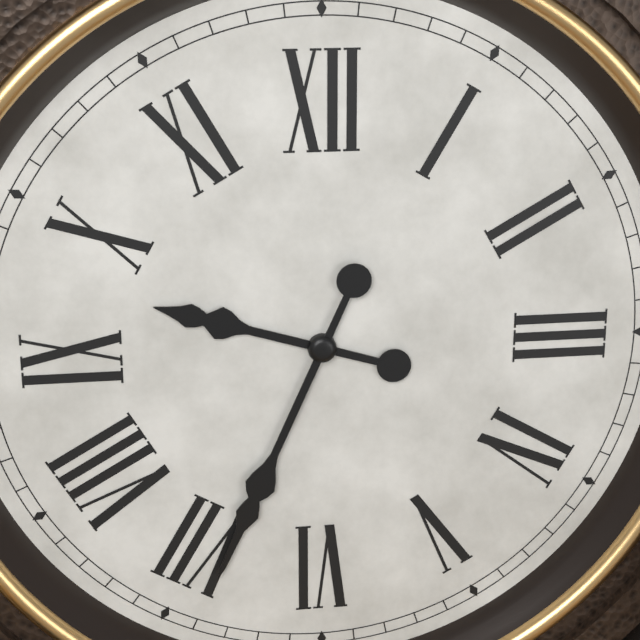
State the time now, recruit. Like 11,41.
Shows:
9,34
